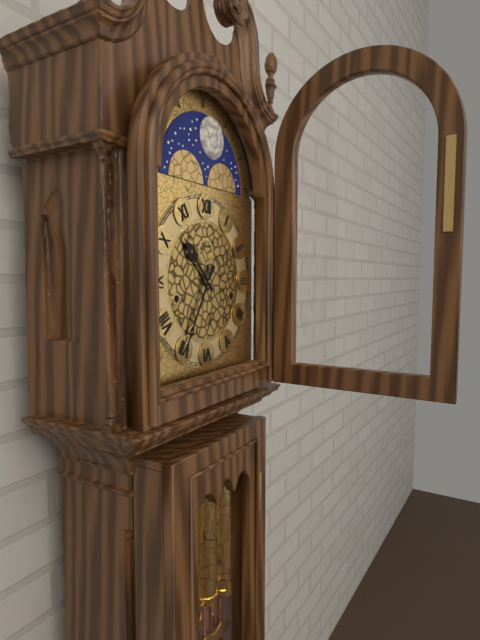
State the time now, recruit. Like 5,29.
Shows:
10,35
